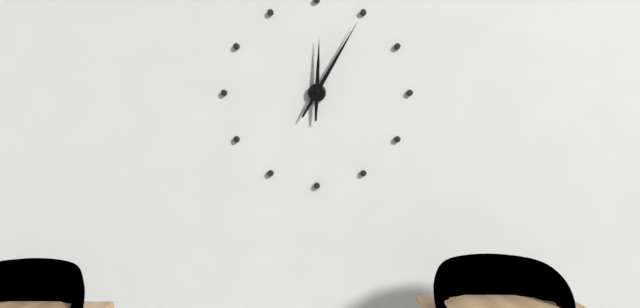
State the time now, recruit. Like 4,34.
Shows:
12,05
